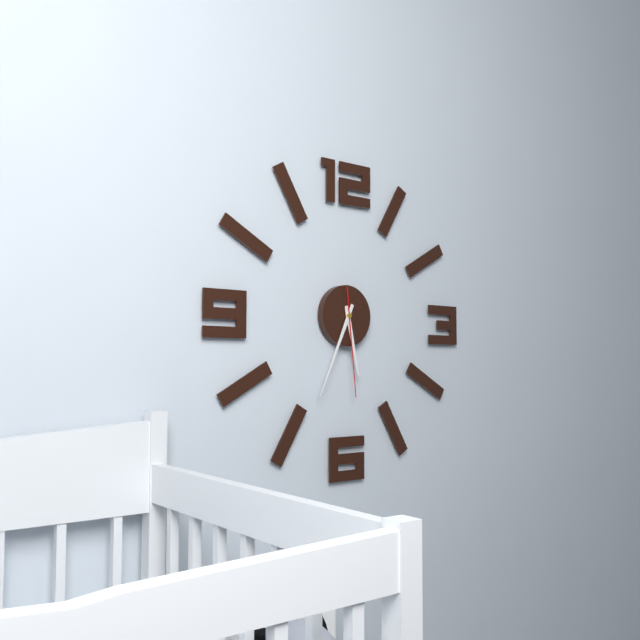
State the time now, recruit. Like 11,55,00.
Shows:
5,34,29
